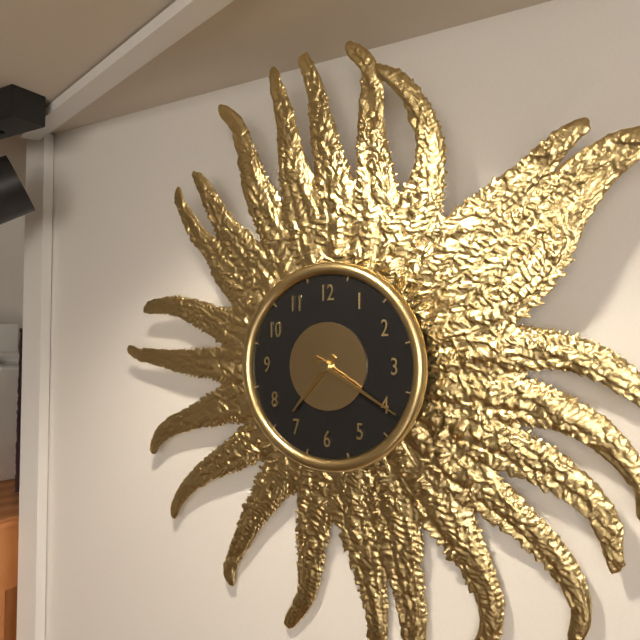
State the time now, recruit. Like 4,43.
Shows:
7,20
